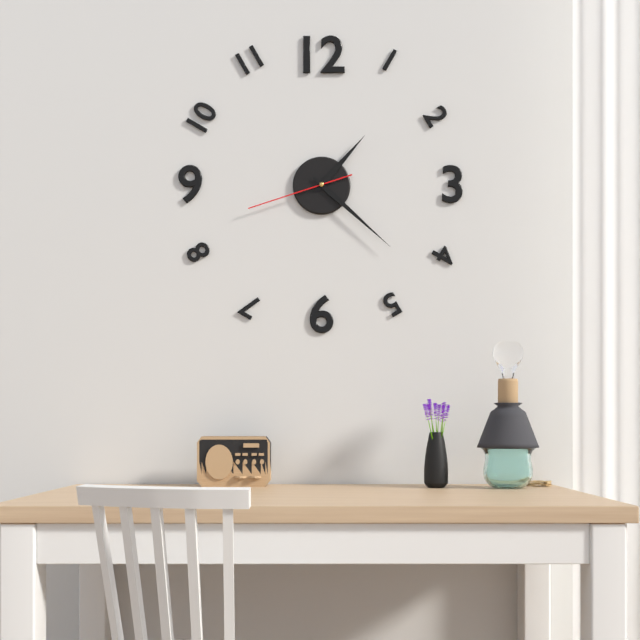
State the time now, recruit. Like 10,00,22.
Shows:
1,22,42
